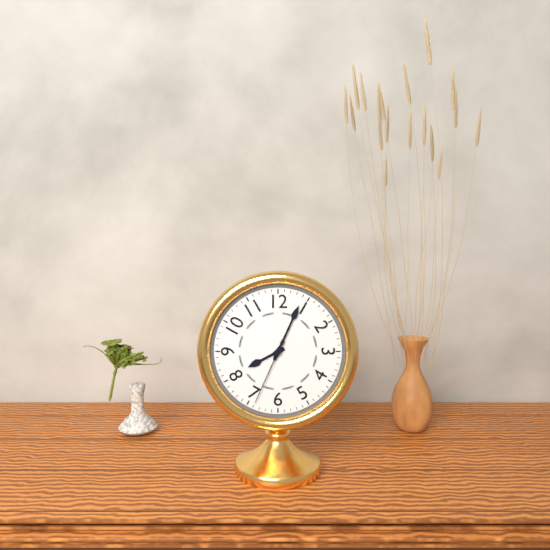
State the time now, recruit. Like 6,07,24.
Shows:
8,04,34
